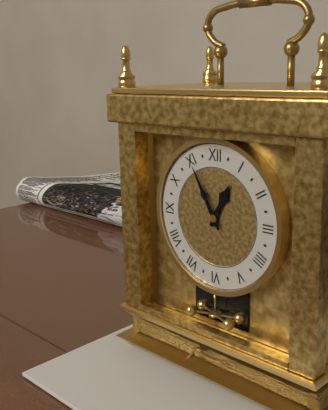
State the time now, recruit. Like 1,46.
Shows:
12,55
